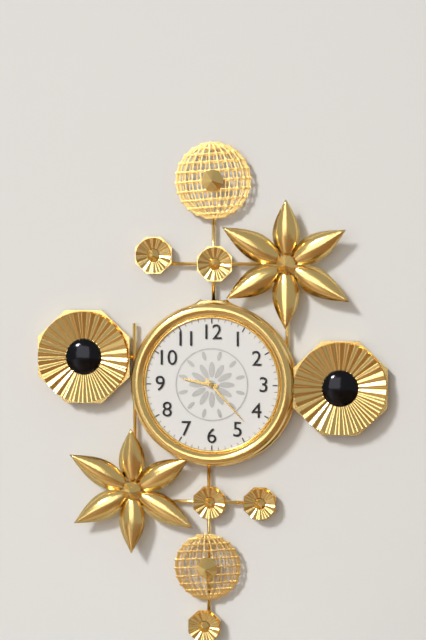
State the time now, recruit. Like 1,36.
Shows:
9,23
